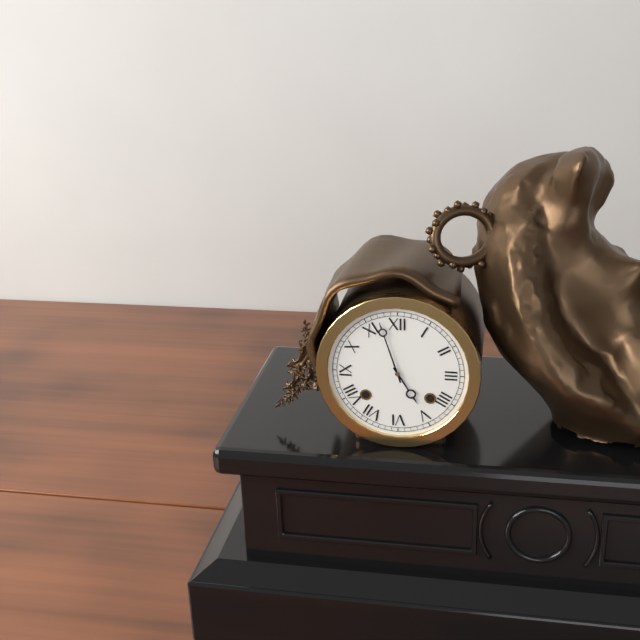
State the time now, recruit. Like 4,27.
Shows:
4,57
